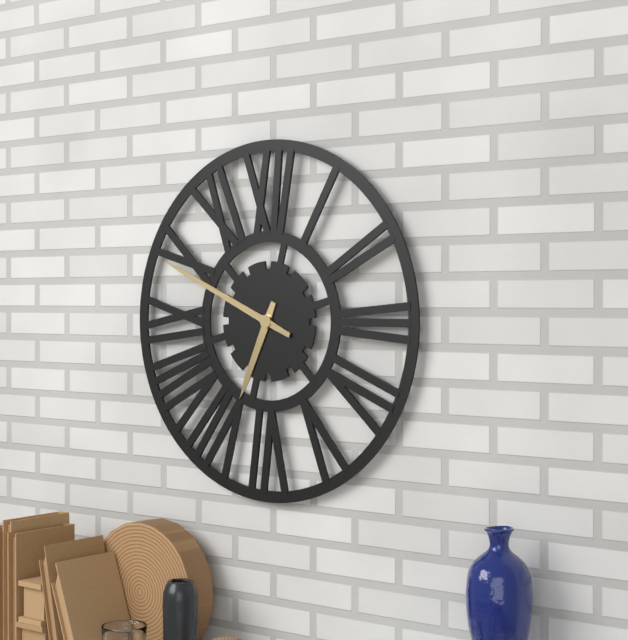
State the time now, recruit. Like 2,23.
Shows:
6,49
